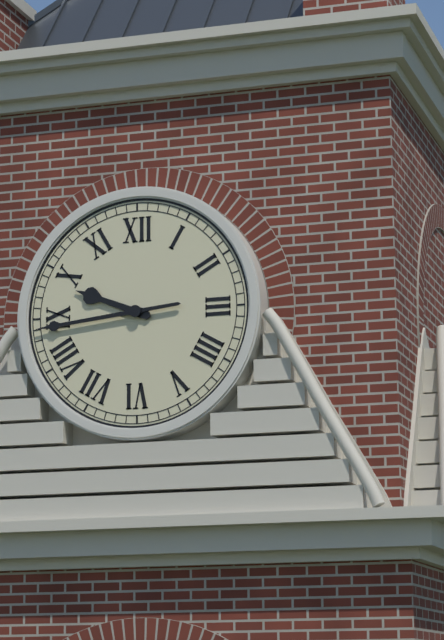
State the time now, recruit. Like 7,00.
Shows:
9,44
